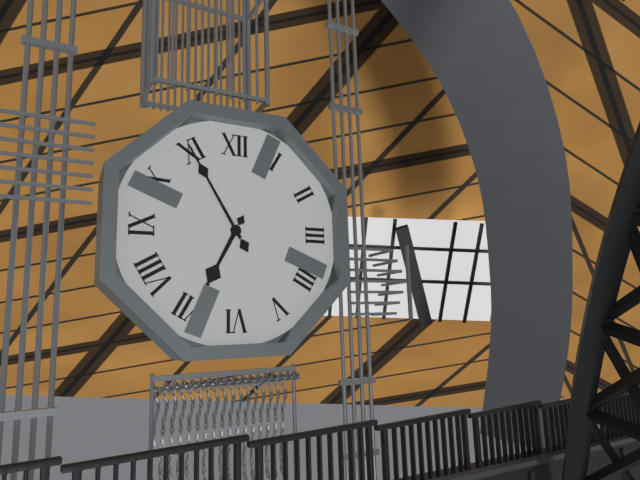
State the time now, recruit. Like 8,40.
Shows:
6,55
